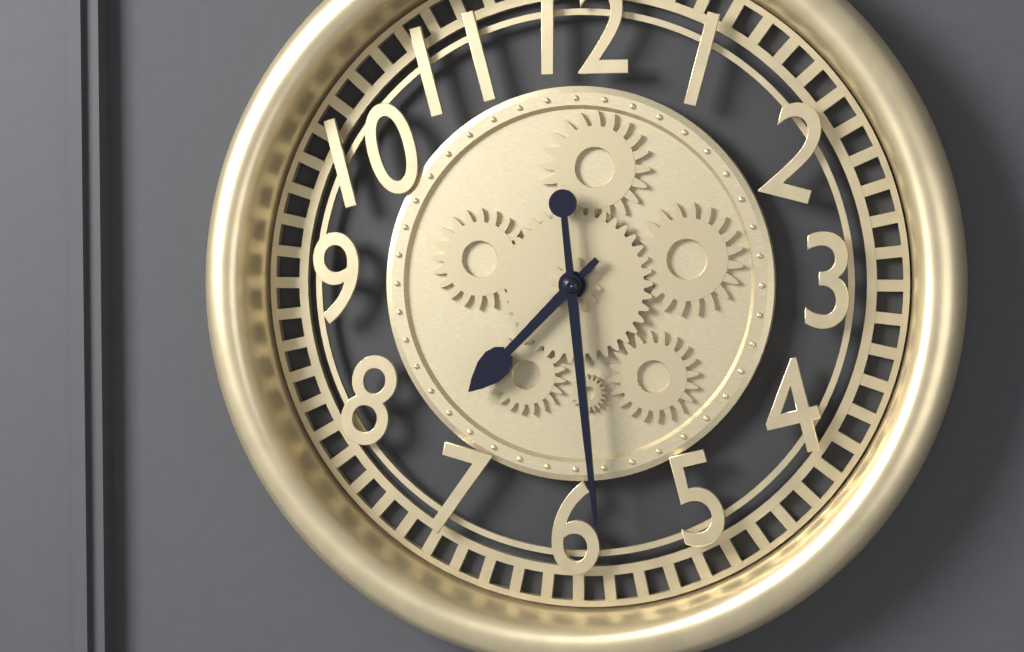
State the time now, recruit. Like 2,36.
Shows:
7,29
